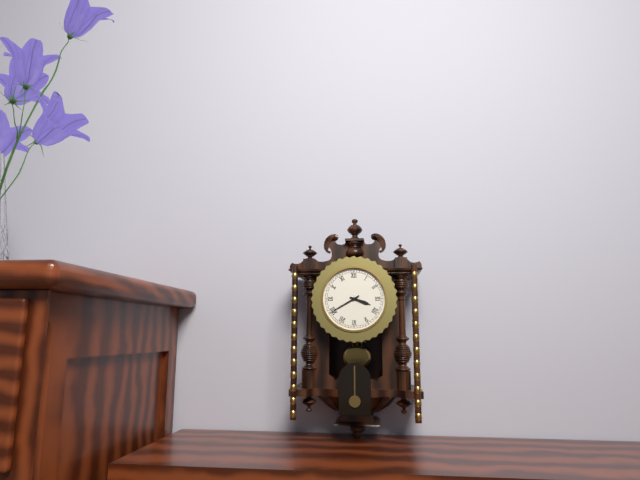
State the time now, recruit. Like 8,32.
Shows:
3,40
